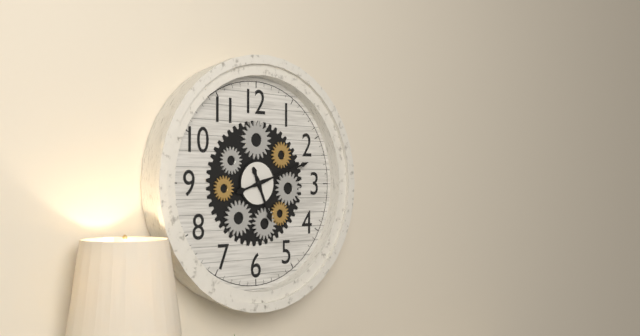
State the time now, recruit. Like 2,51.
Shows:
5,12
